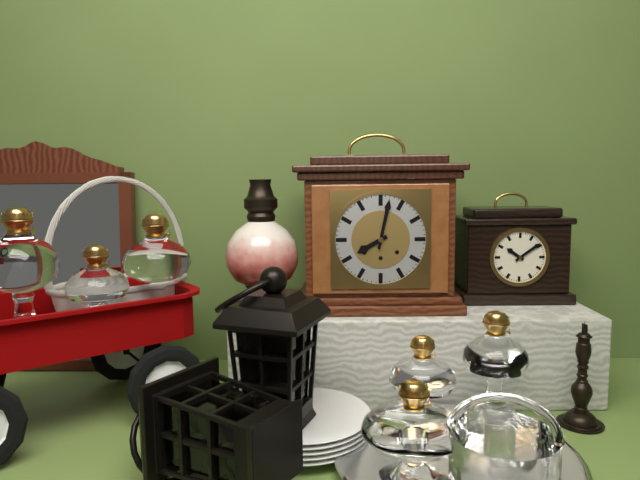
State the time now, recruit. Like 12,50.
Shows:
8,02
